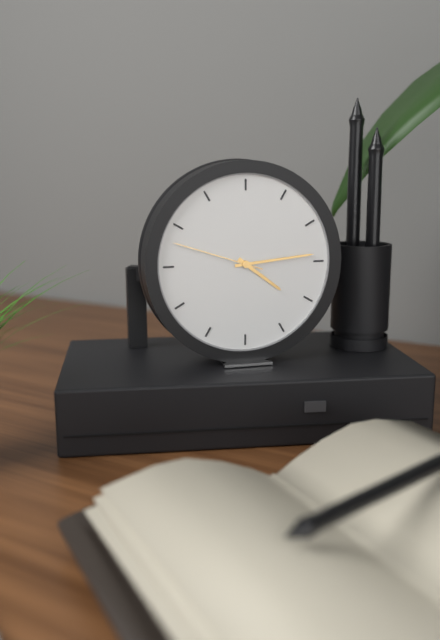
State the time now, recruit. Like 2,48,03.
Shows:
4,14,48
